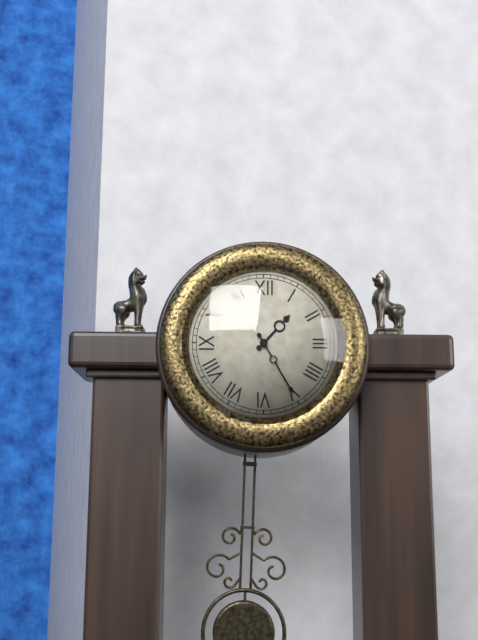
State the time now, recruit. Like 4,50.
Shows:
1,25
